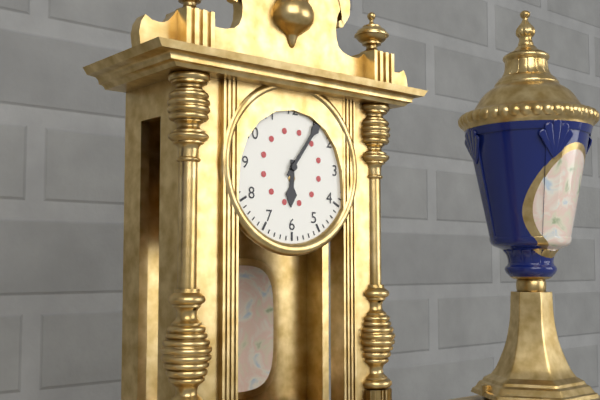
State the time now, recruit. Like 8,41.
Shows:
6,06
